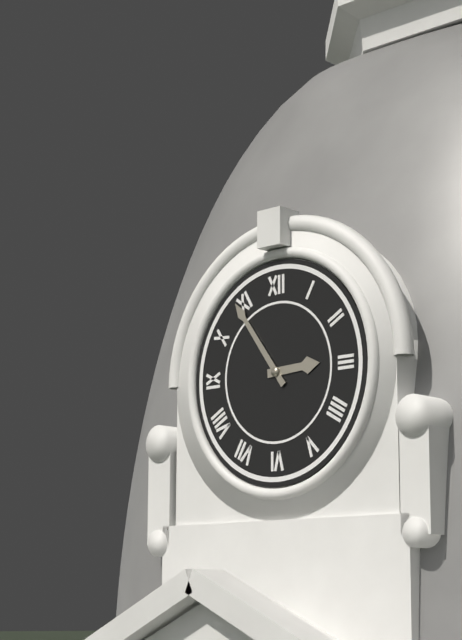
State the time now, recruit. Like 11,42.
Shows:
2,54
